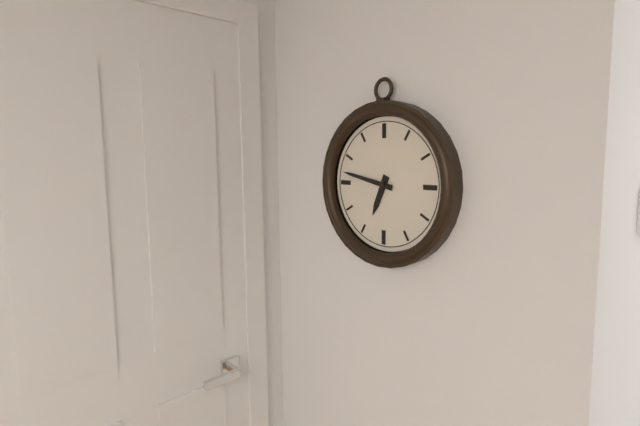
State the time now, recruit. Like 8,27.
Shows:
6,47
